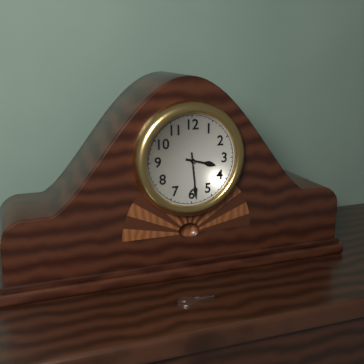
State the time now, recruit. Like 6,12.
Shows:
3,29
